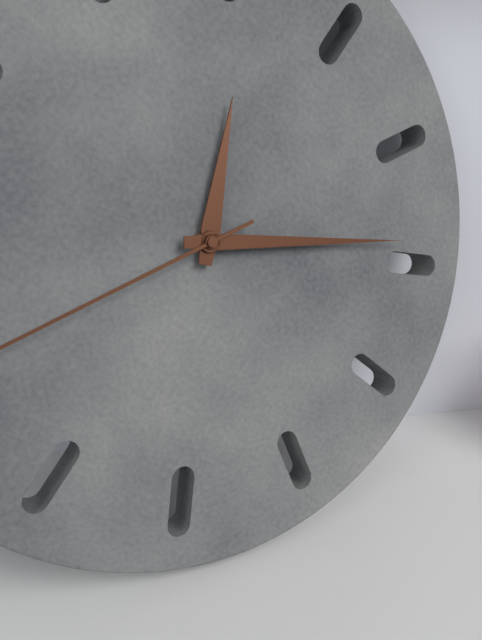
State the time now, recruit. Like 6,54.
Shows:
11,09
